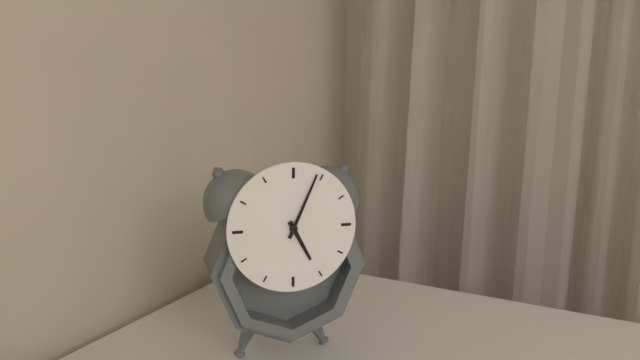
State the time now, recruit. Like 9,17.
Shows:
5,04
